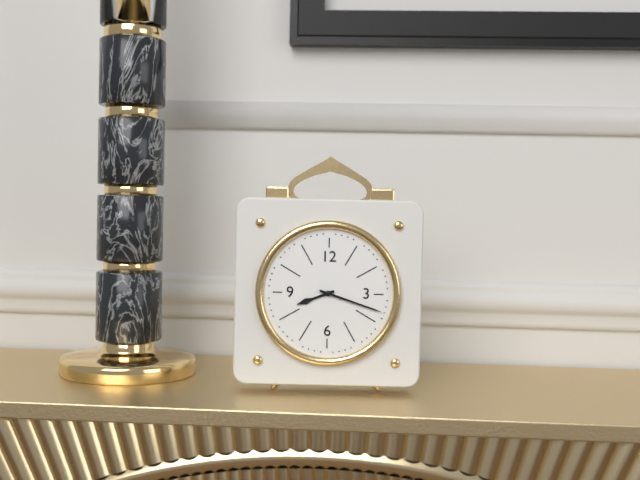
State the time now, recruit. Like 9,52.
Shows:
8,18
